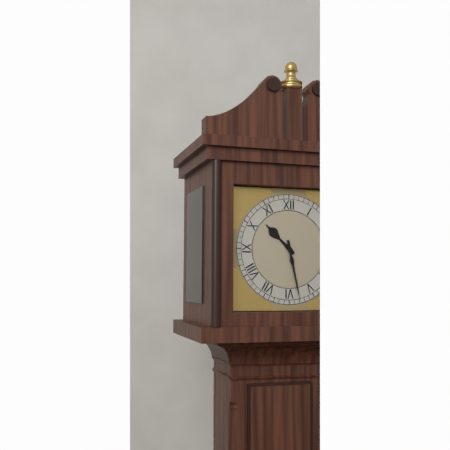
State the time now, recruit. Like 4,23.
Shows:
10,28
